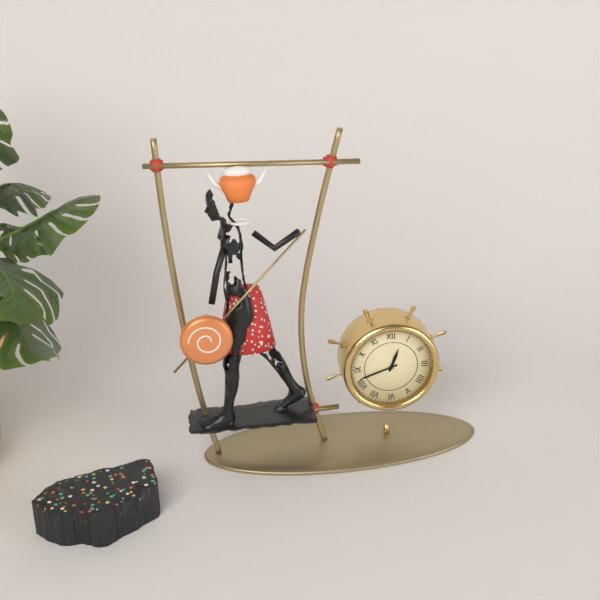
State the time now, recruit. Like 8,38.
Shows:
12,42
